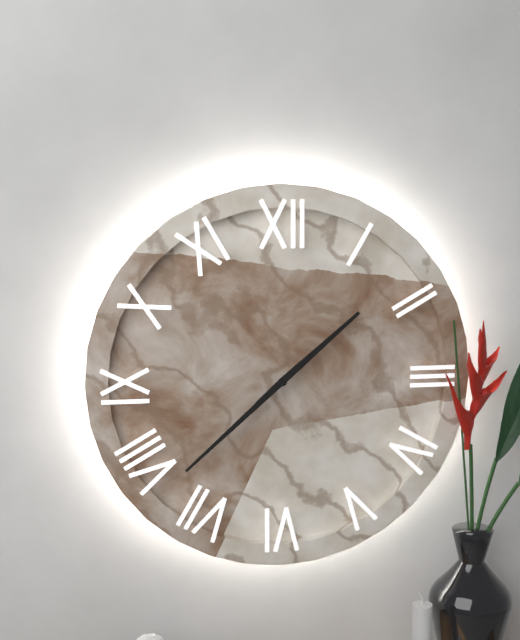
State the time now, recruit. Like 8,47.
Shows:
1,38
